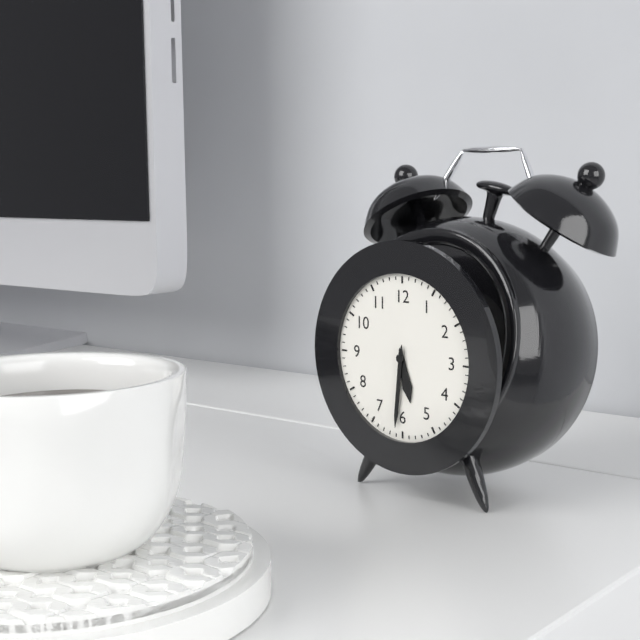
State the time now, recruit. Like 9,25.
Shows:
5,31
